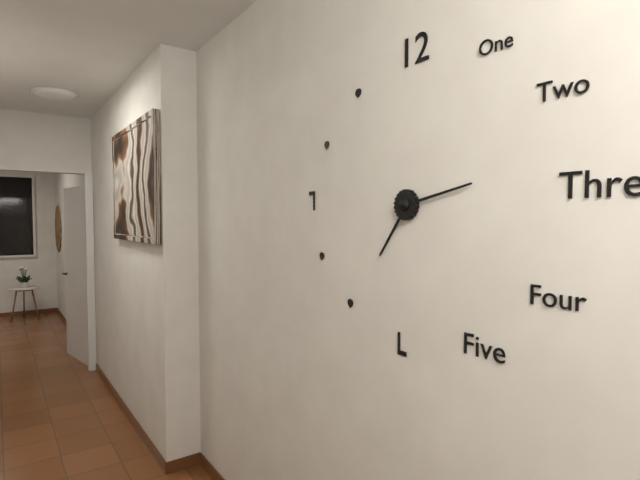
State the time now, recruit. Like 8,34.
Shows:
7,13
